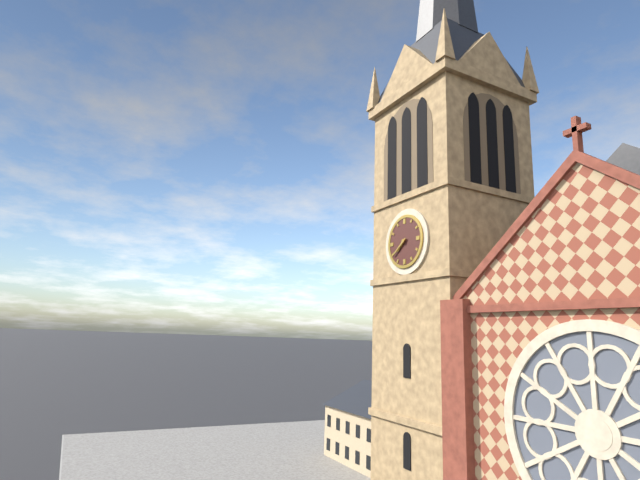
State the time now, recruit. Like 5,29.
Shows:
7,39
